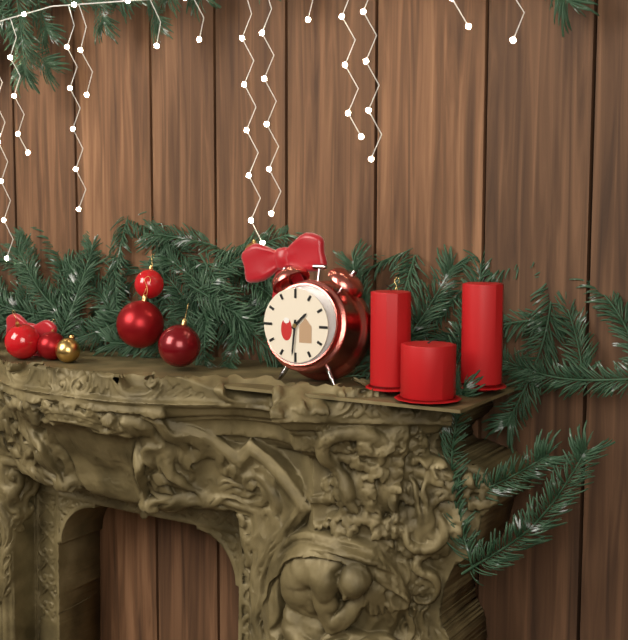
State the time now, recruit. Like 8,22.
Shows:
1,31
